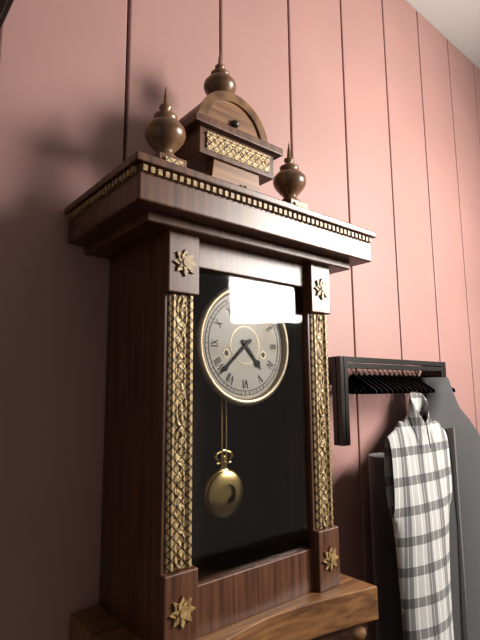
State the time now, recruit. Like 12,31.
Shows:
4,38
